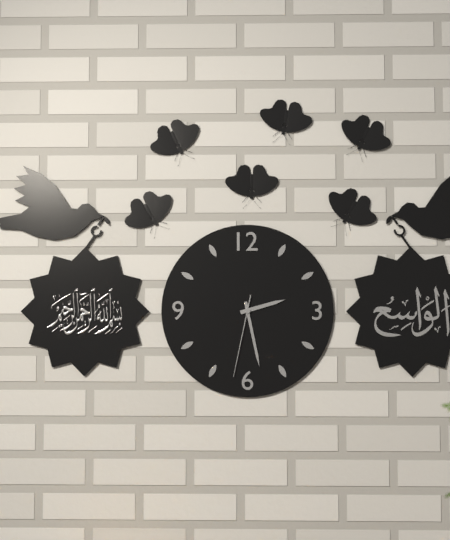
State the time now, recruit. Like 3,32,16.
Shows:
2,28,32
